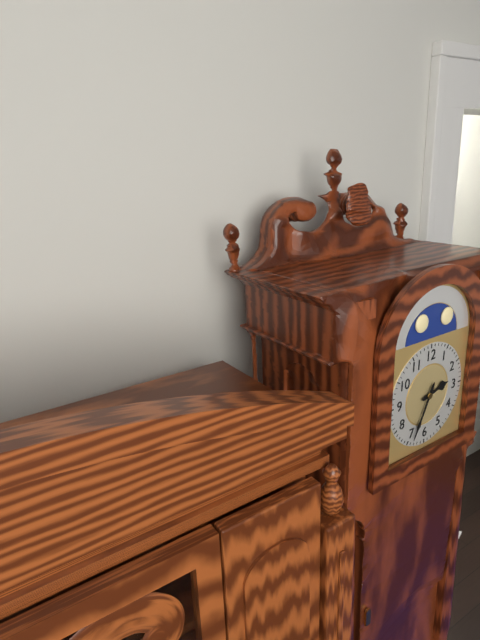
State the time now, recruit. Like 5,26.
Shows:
2,34
